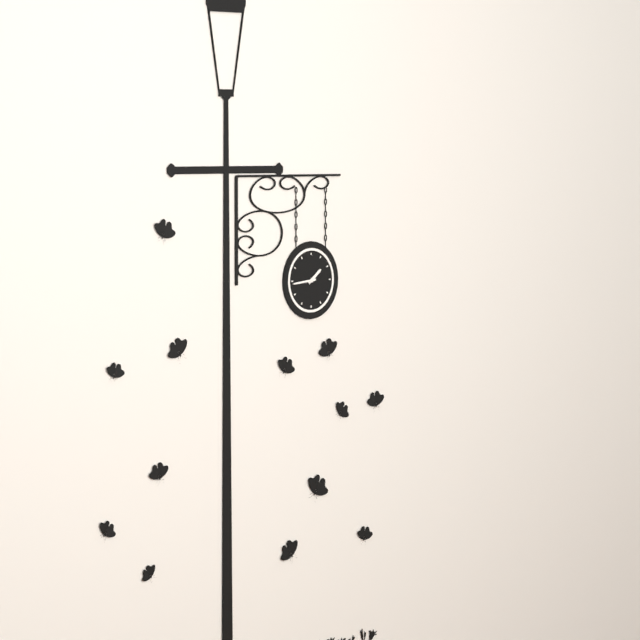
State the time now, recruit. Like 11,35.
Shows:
1,44
